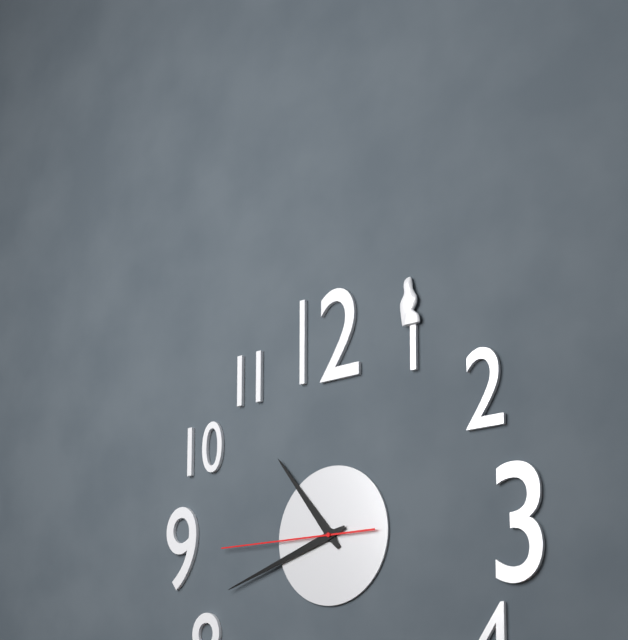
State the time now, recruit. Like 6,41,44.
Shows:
10,42,45
